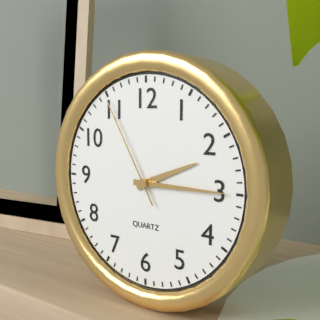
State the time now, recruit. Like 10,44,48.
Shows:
2,15,55
